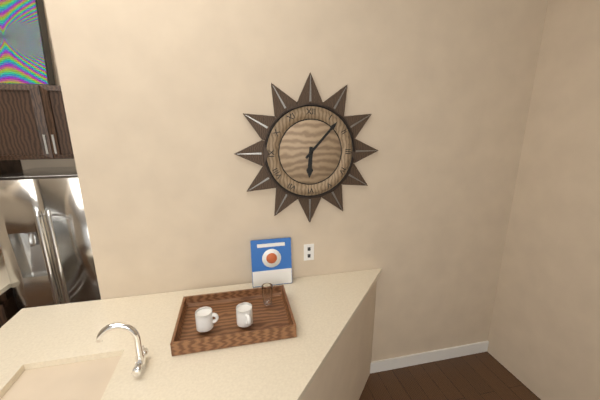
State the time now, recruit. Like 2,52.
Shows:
6,07
